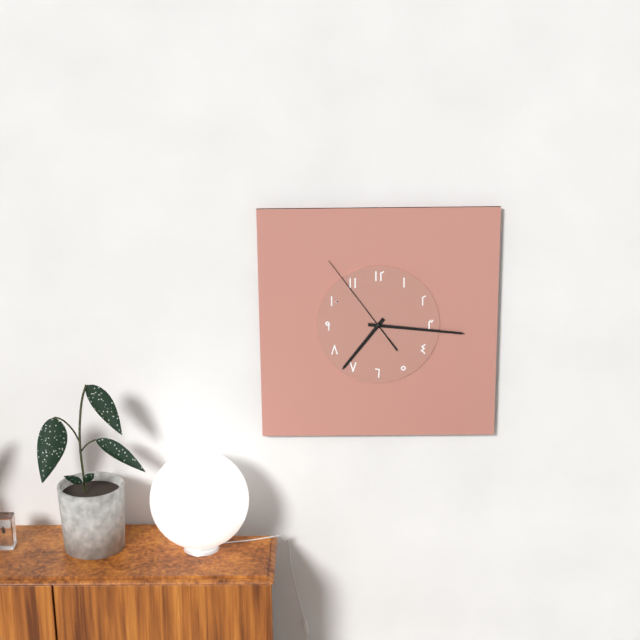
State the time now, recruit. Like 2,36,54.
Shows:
7,16,54
